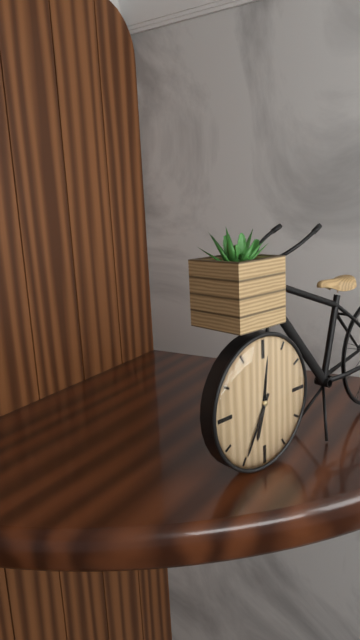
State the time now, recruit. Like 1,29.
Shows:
6,35
